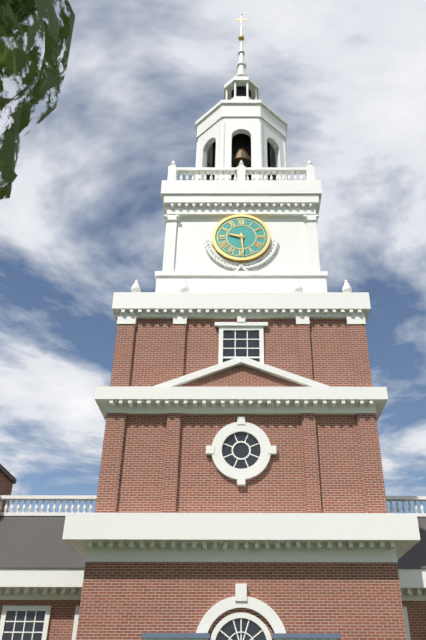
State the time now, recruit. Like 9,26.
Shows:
9,29
